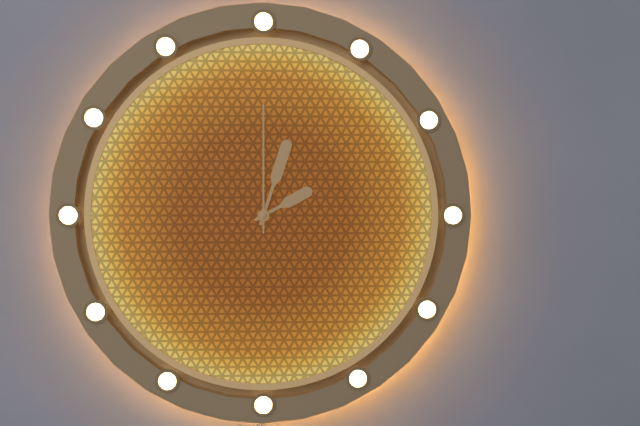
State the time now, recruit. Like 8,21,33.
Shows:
2,03,00
